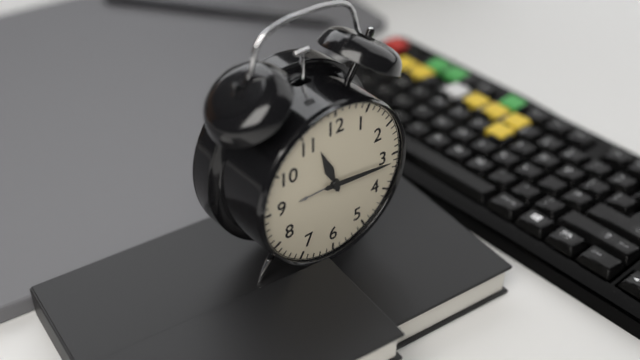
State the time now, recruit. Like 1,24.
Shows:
11,16
